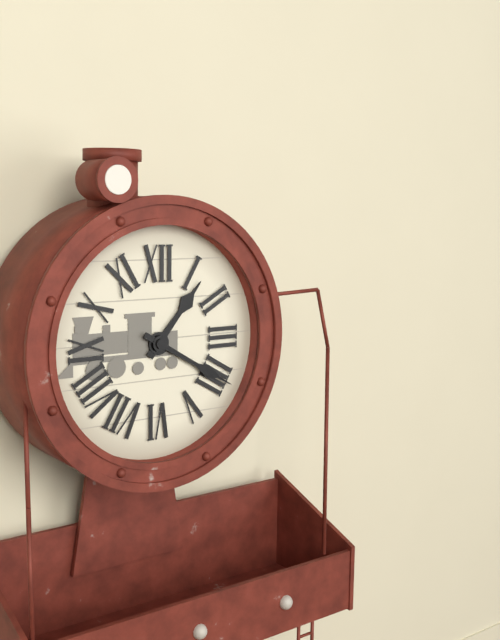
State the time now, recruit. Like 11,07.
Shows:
1,20
